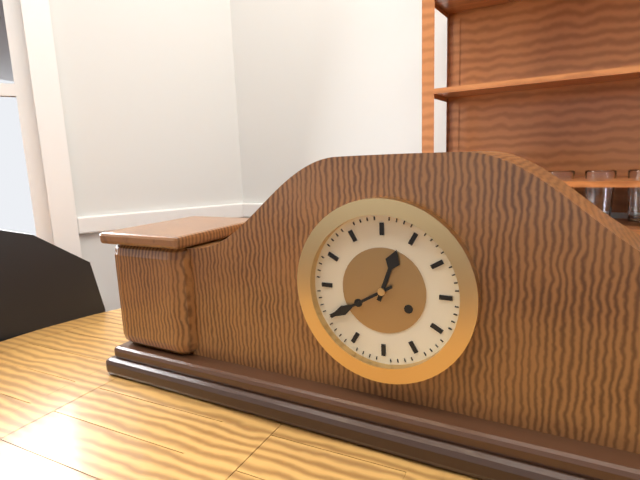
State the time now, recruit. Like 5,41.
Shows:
12,40
